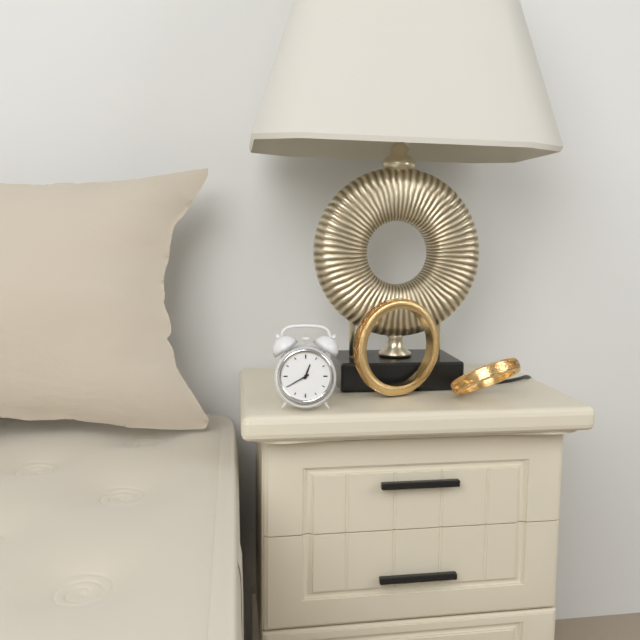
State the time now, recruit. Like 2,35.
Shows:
12,40
